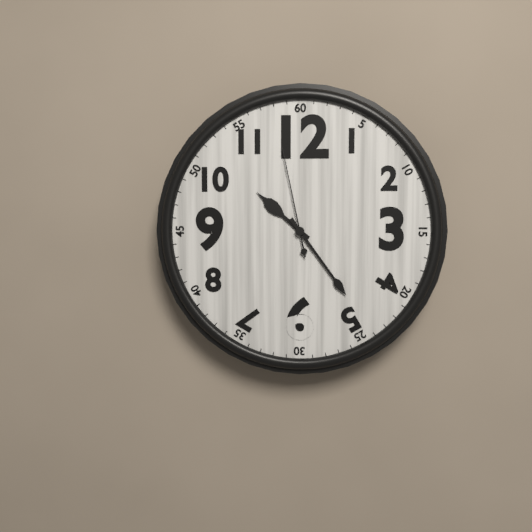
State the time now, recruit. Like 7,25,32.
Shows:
10,24,58
